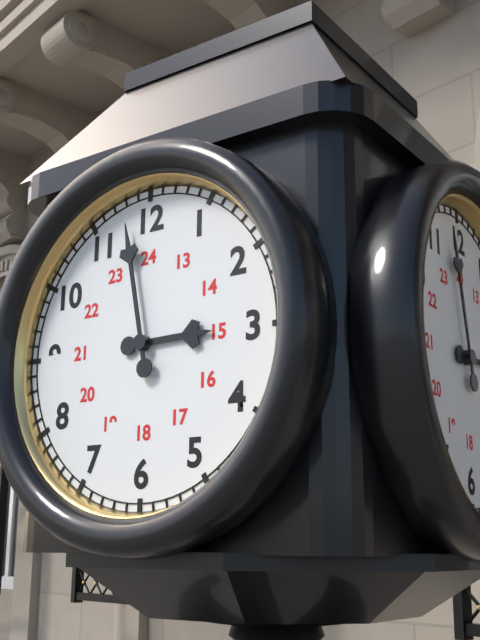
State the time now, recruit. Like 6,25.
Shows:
2,58
